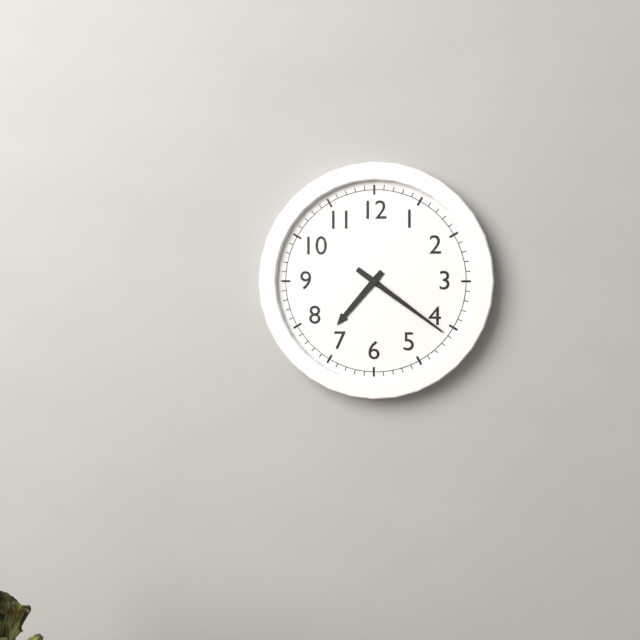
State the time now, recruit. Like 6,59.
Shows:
7,21
